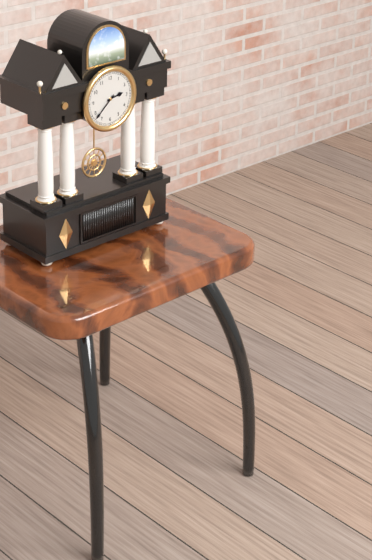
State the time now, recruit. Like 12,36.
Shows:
2,38
